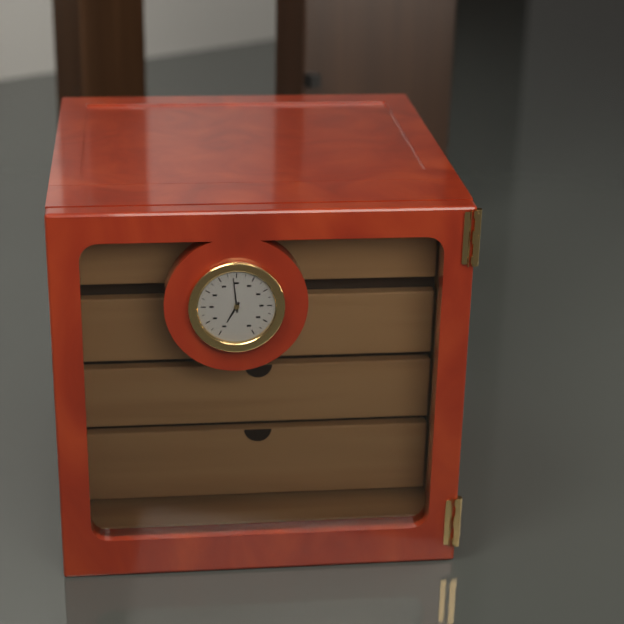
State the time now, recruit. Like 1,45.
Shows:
6,59
